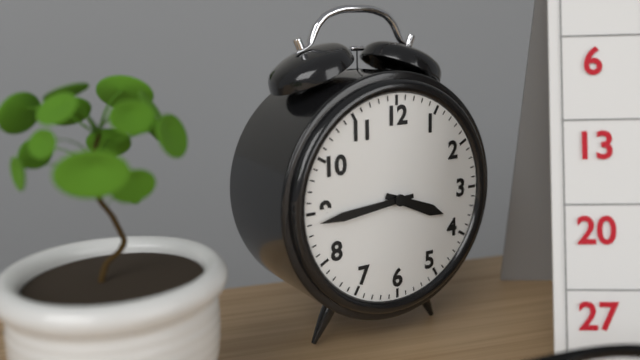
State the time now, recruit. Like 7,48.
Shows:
3,44
